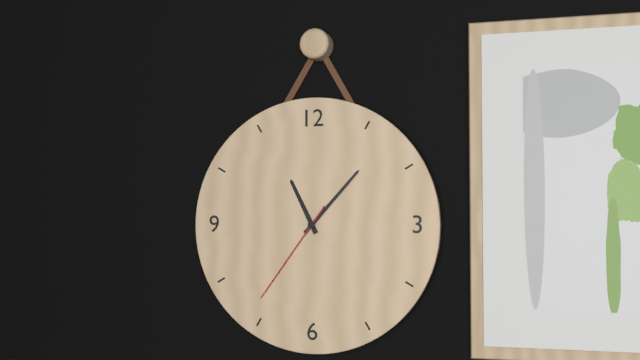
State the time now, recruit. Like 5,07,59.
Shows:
11,07,36
